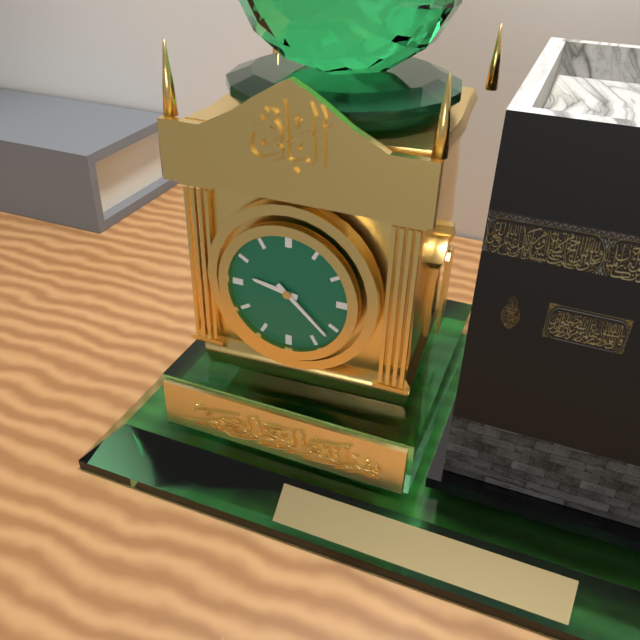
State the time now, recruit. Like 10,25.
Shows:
9,22
